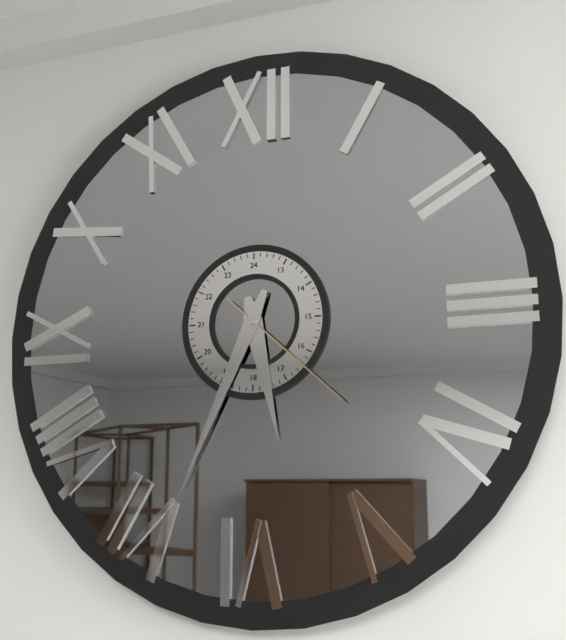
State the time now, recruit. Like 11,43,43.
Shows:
5,34,22
